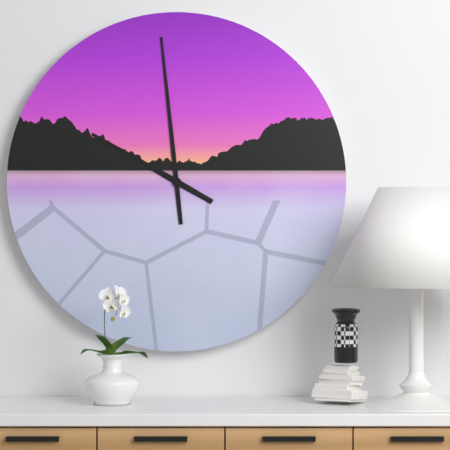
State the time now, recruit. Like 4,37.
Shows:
9,59
